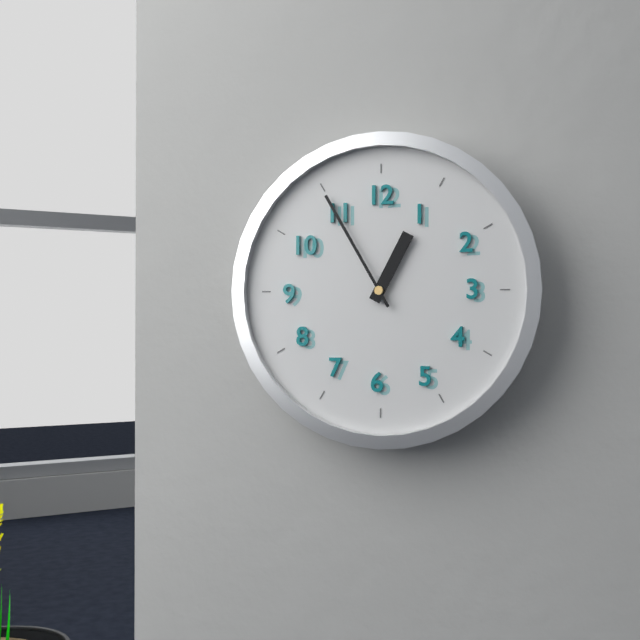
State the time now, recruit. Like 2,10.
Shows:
12,55
